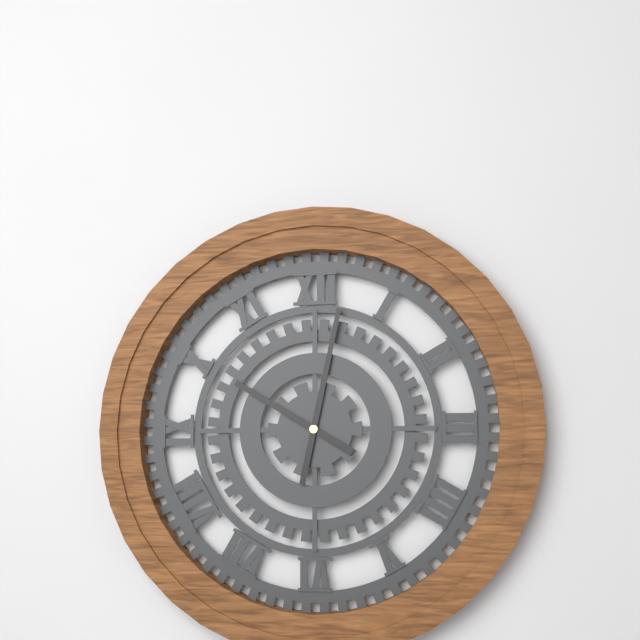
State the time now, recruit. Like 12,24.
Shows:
10,02
